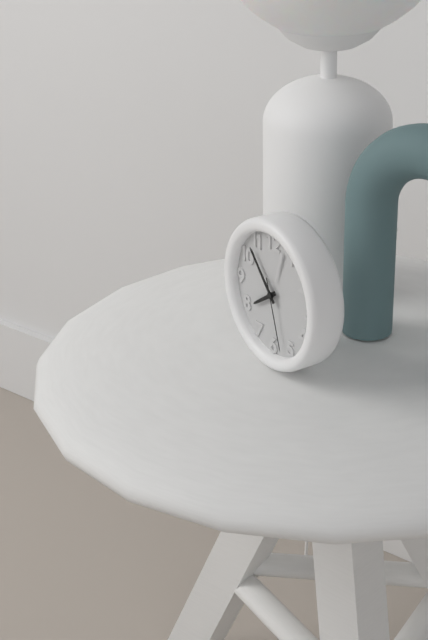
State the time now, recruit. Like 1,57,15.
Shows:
7,53,27
